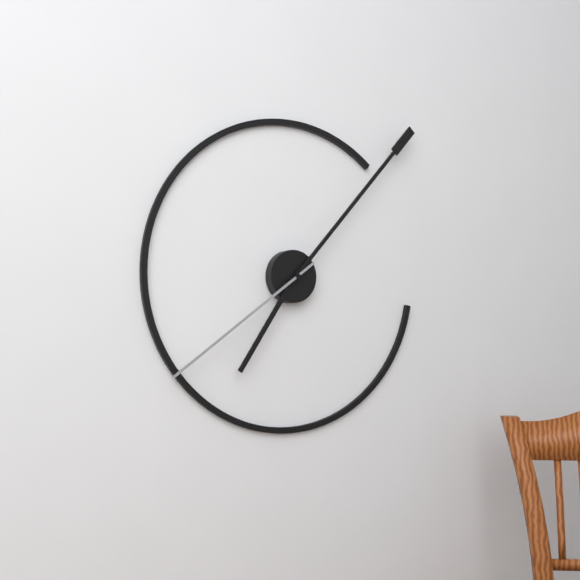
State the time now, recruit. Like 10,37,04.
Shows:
7,07,39
